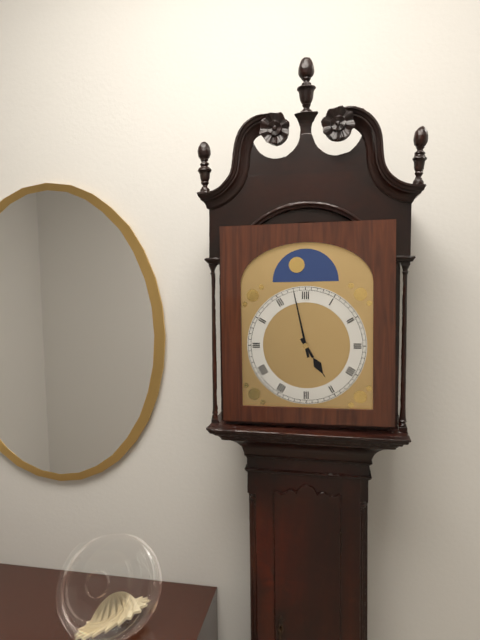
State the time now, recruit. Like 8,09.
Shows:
4,58
